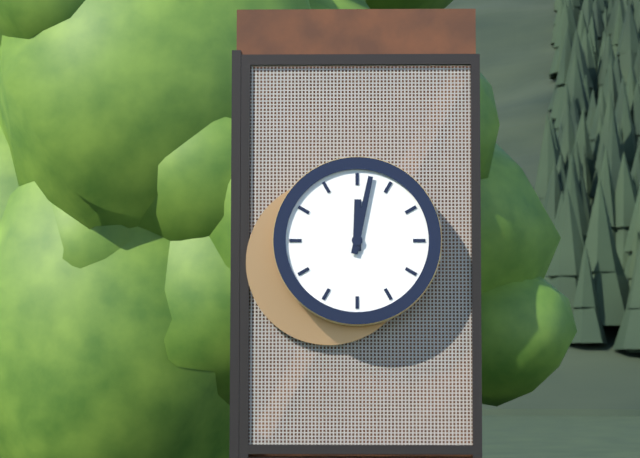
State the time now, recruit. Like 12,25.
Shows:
12,02
